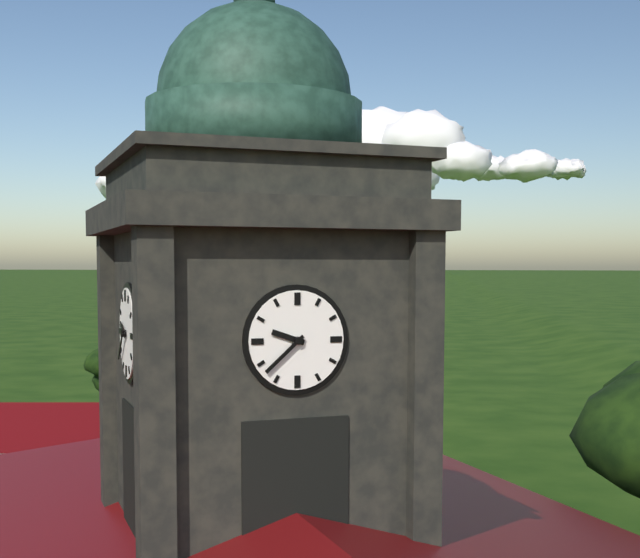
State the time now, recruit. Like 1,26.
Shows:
9,38
